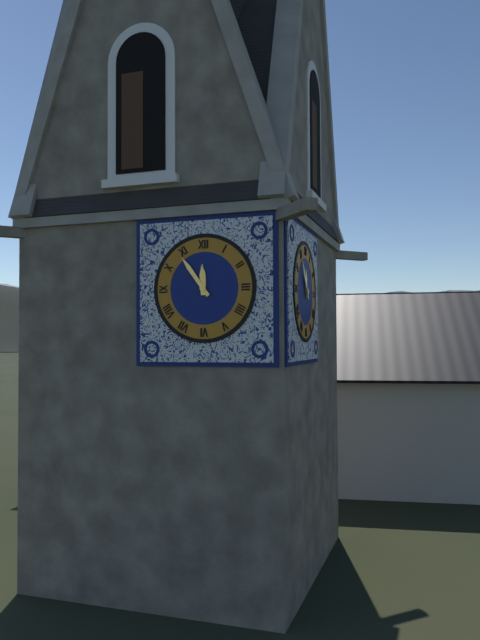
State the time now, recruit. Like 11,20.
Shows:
11,54
